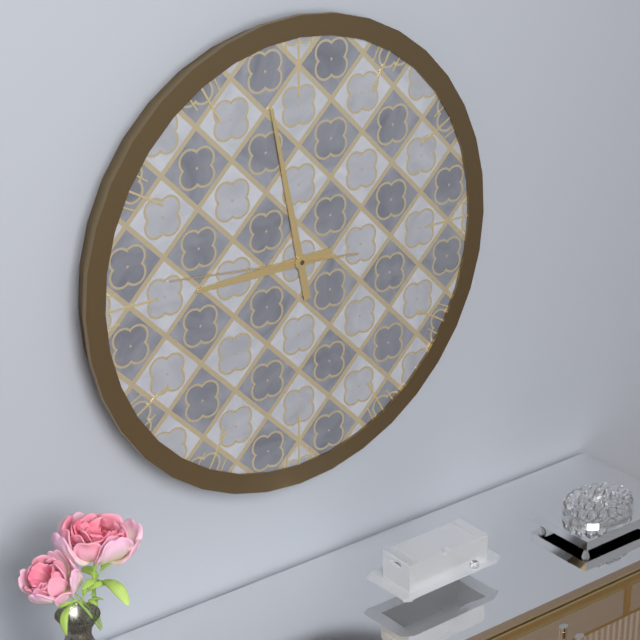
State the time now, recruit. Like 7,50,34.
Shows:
8,58,46
